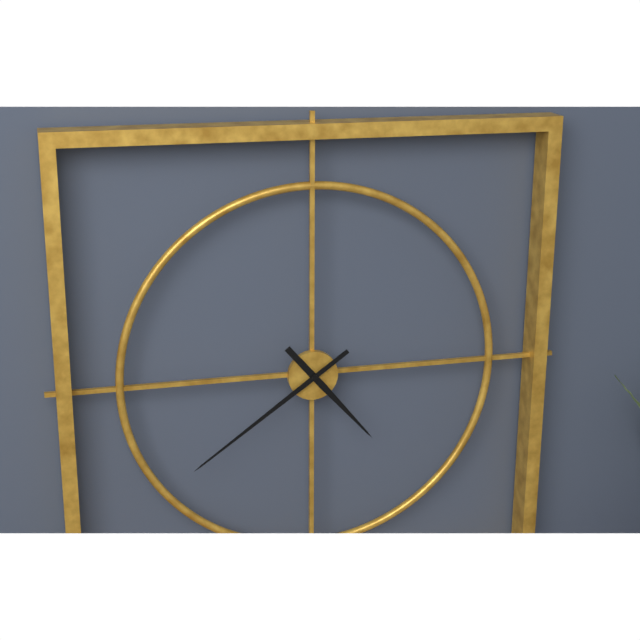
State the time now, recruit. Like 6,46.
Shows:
4,39
